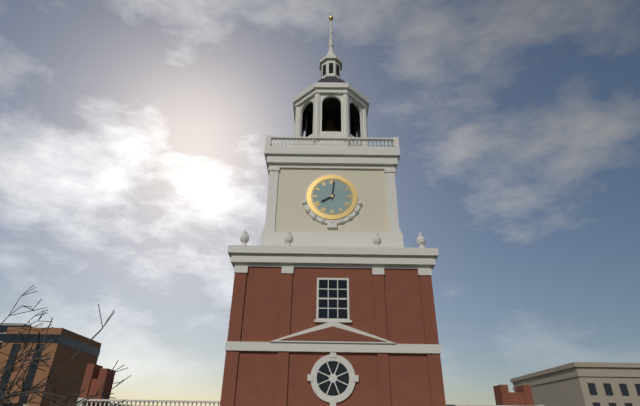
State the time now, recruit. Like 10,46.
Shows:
8,01
